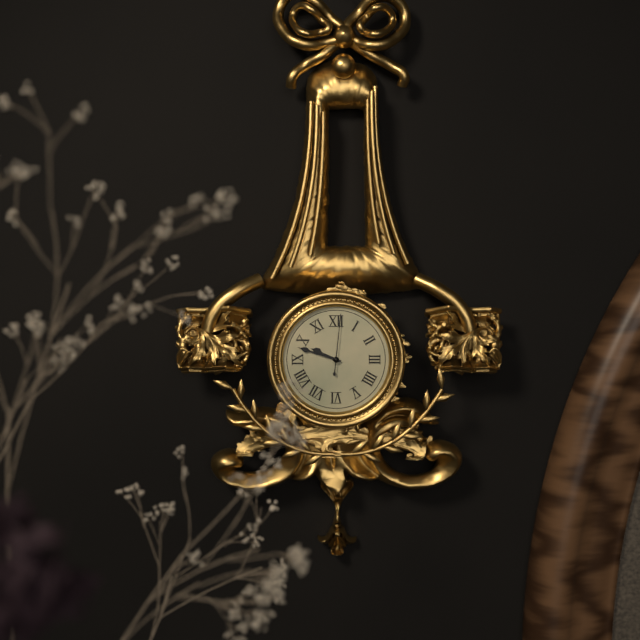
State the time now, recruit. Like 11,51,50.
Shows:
9,48,01
